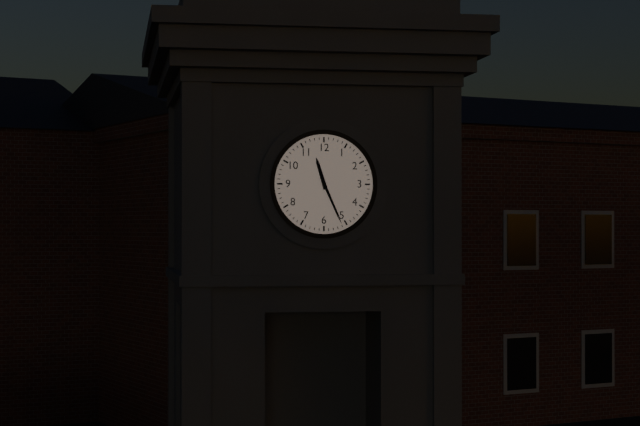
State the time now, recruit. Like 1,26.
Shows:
11,26
